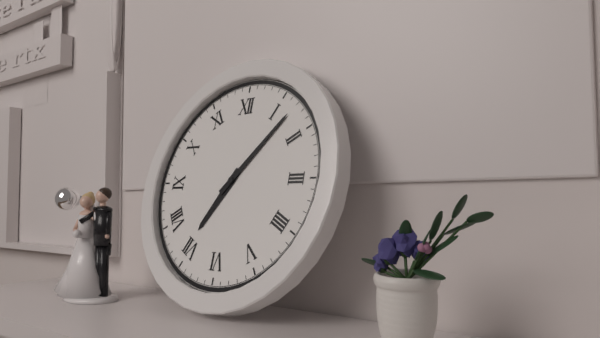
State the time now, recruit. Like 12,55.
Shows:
7,07
